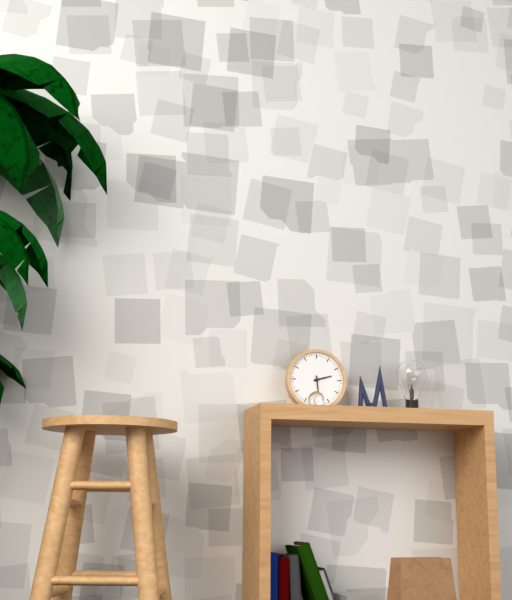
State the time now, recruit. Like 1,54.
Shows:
2,29
